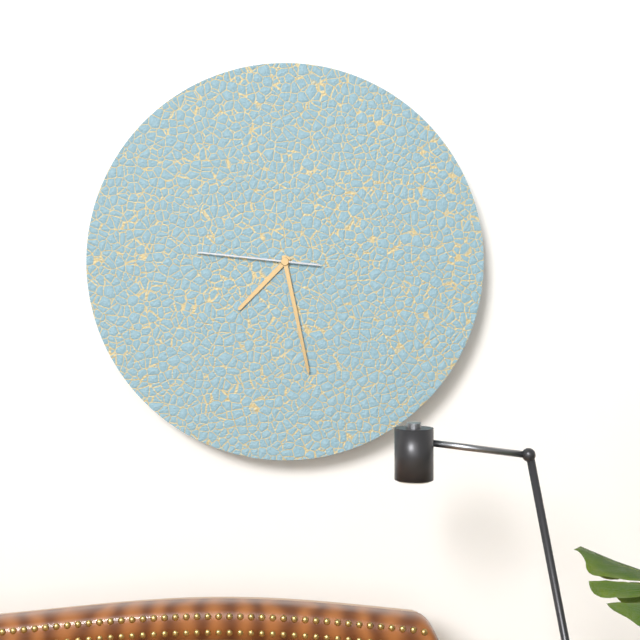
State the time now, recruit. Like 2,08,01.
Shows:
7,28,46
